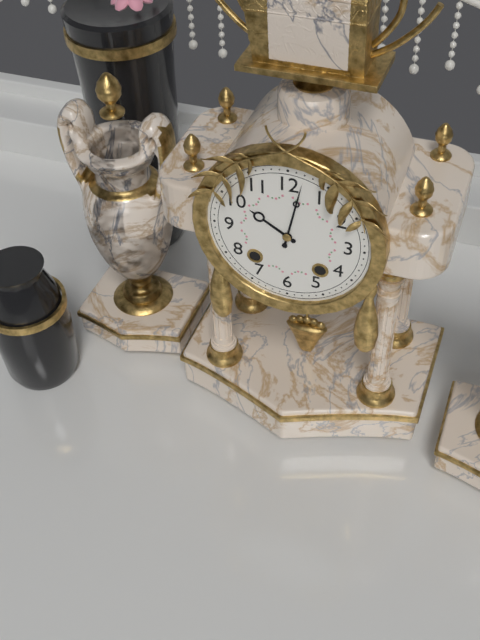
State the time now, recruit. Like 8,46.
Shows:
10,02
